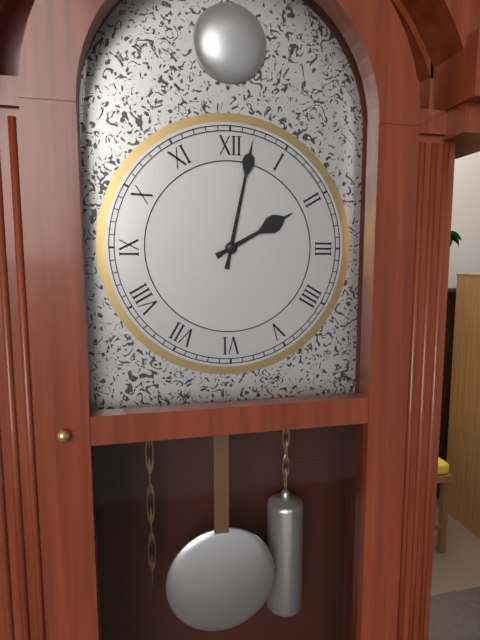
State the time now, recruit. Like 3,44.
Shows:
2,02
